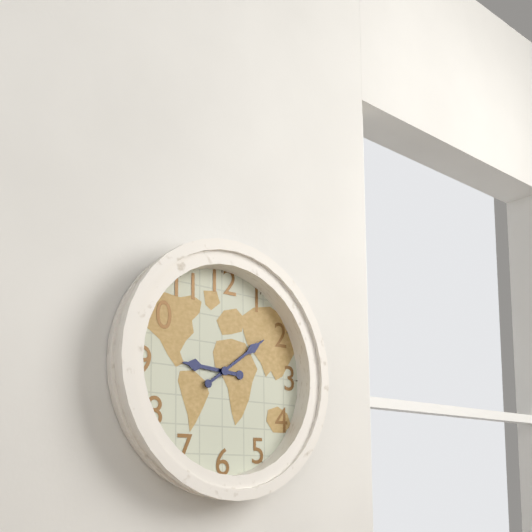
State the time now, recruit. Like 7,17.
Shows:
9,09
